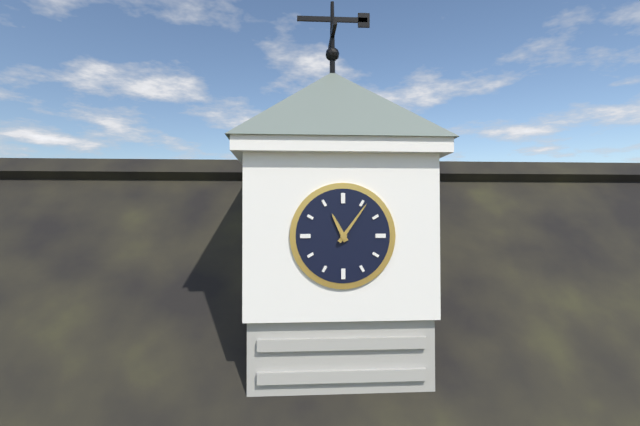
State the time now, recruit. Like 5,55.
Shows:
11,06
